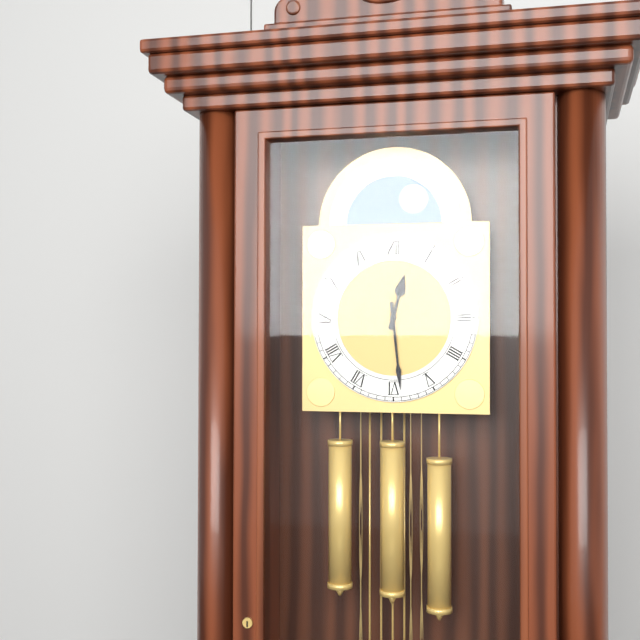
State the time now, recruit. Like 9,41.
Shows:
12,29
